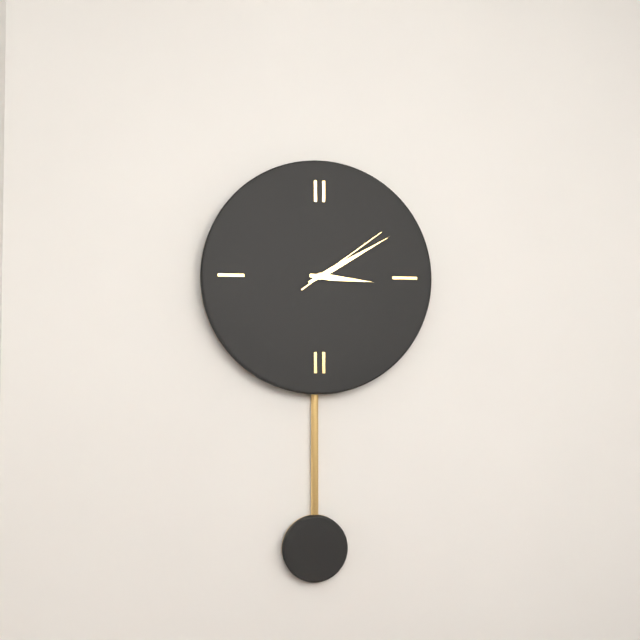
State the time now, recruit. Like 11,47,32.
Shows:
3,10,09
